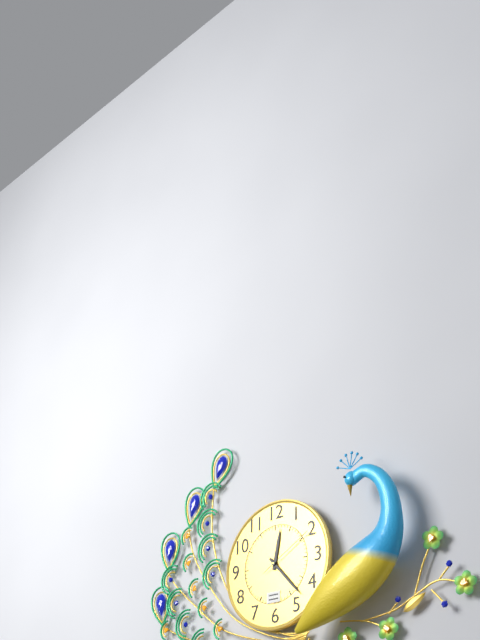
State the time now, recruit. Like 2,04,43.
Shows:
12,23,10
